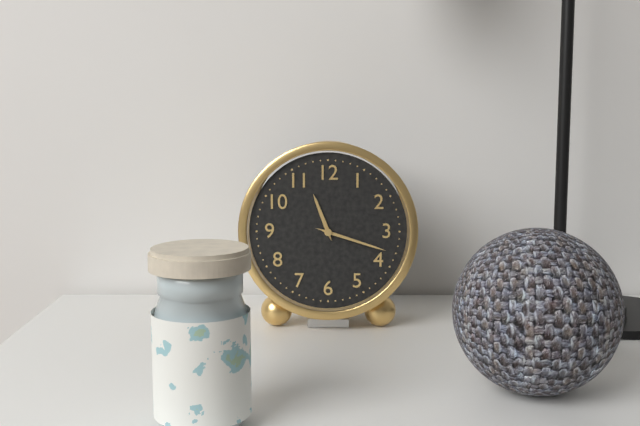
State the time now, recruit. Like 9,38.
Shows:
11,18
